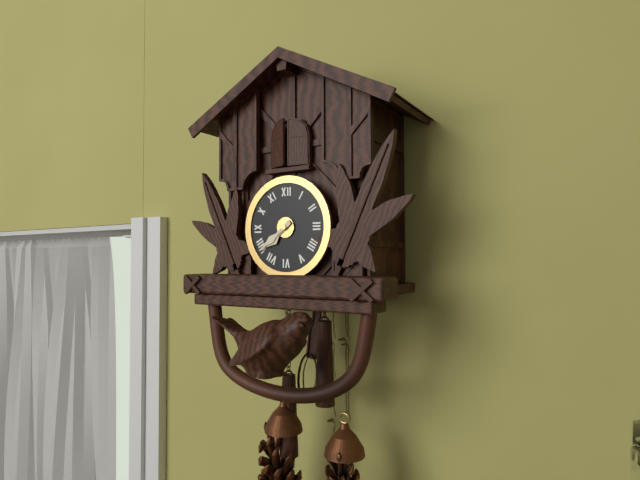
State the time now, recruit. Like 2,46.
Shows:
7,39
